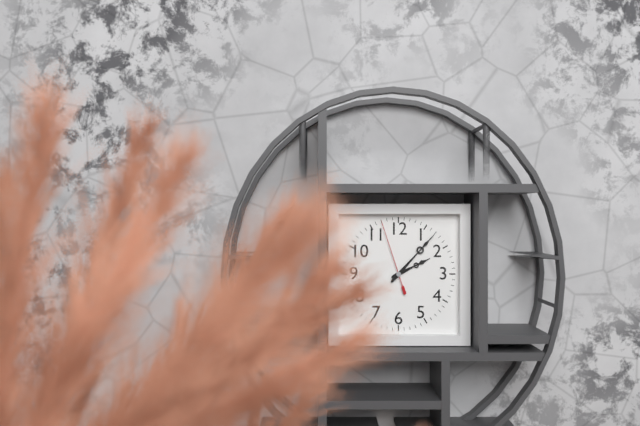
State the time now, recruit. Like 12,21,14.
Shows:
2,07,57
